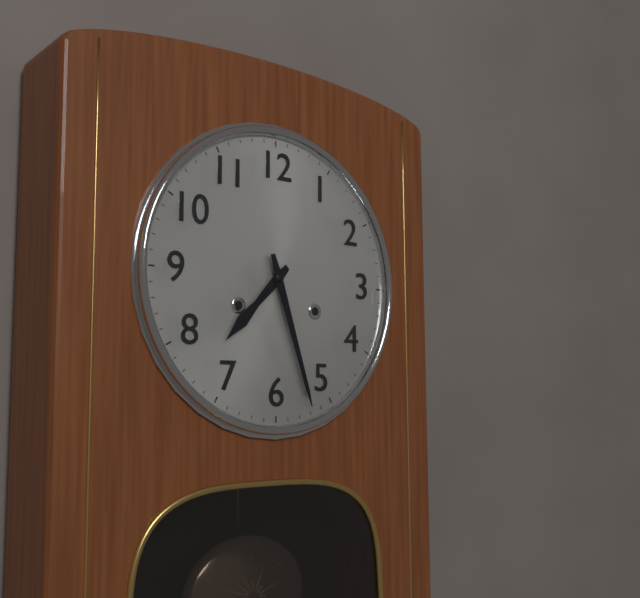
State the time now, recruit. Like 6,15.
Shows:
7,27
